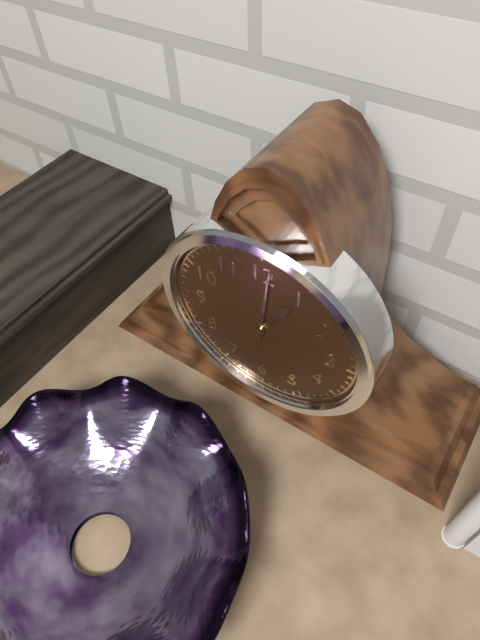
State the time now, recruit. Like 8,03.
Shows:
1,01
